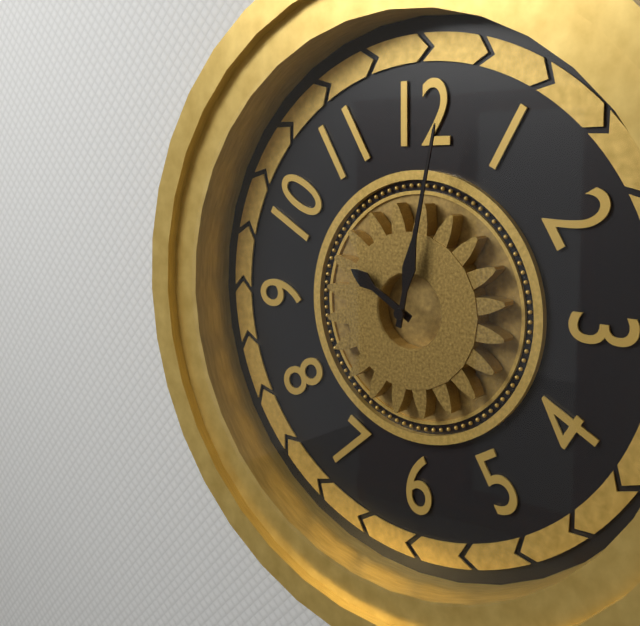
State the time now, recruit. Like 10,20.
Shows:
10,02
